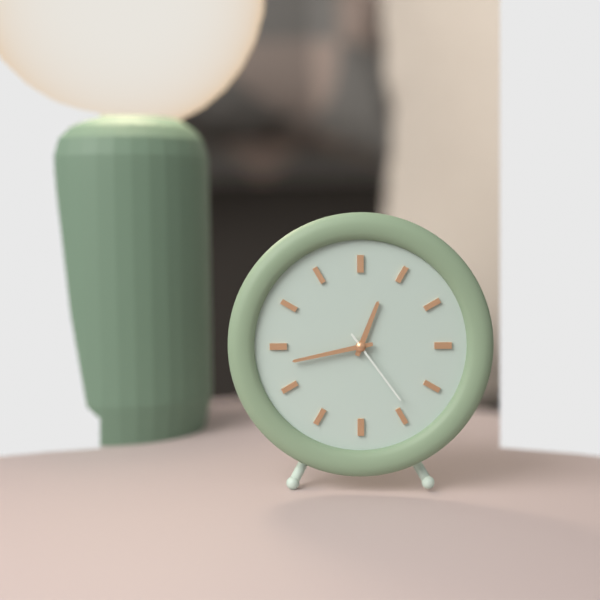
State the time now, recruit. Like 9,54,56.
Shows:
12,43,24
